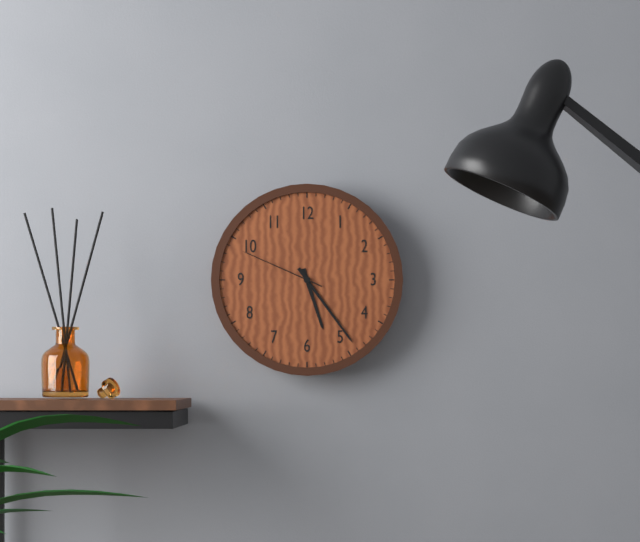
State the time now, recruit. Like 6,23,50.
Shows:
5,24,49
